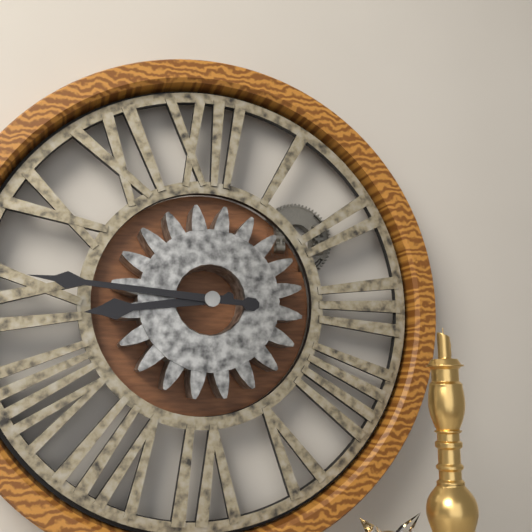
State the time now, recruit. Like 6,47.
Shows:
8,46
